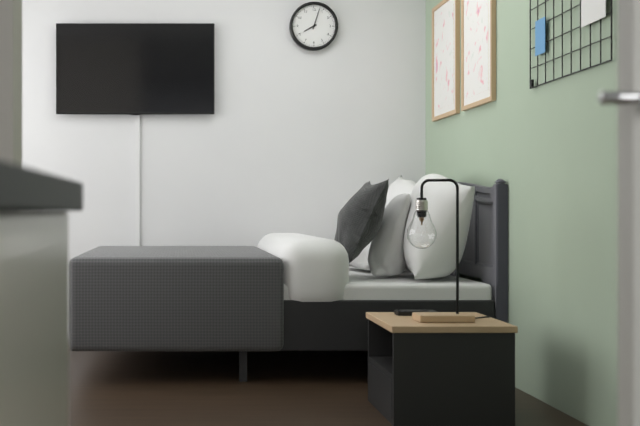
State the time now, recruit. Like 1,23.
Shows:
8,03
